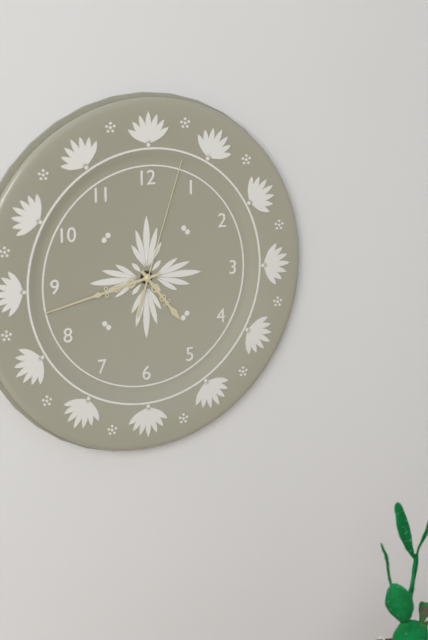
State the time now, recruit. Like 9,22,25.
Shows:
4,43,03
